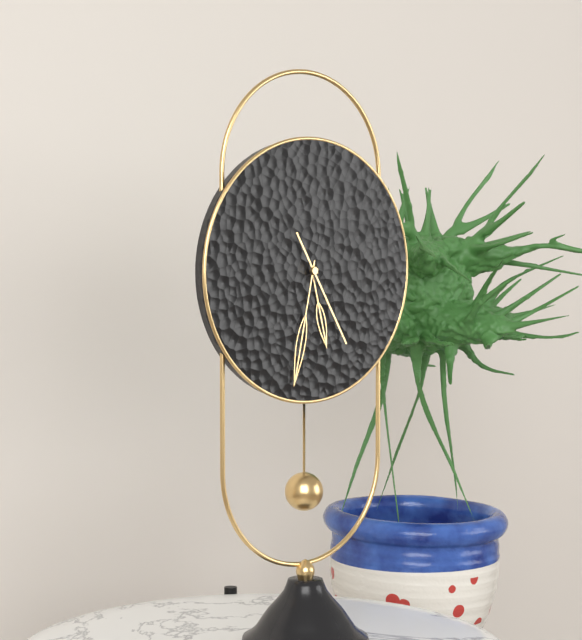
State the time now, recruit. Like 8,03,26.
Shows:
5,32,25
